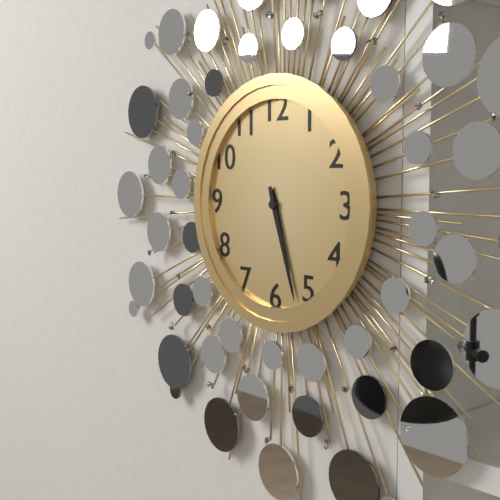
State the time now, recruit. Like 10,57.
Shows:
5,27
